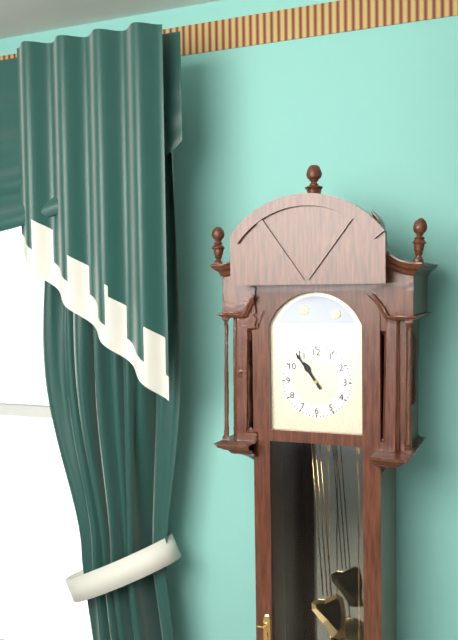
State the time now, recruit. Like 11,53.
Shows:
10,54
